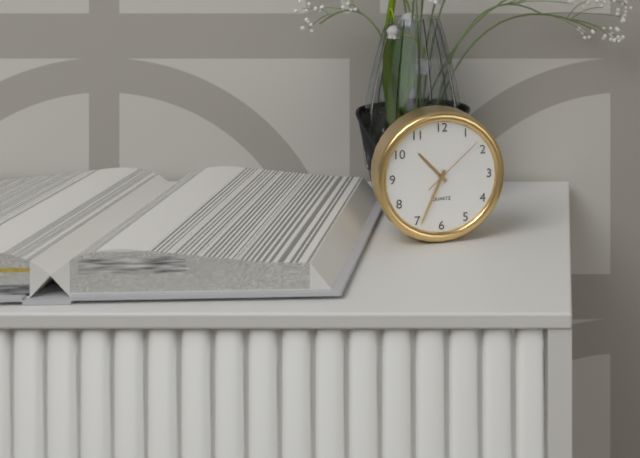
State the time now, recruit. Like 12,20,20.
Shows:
10,34,08
